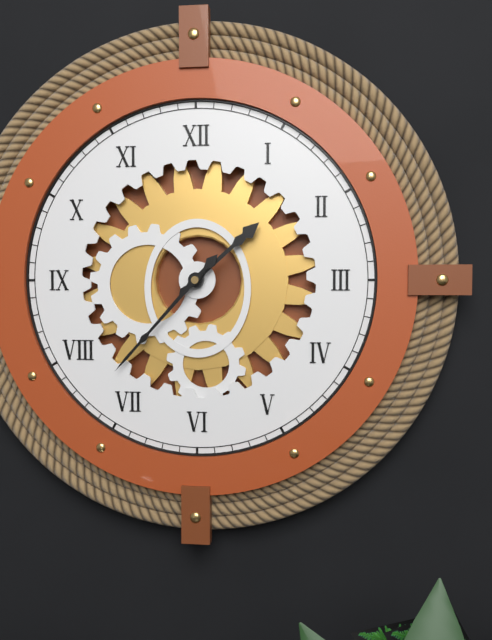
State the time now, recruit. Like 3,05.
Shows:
1,37
